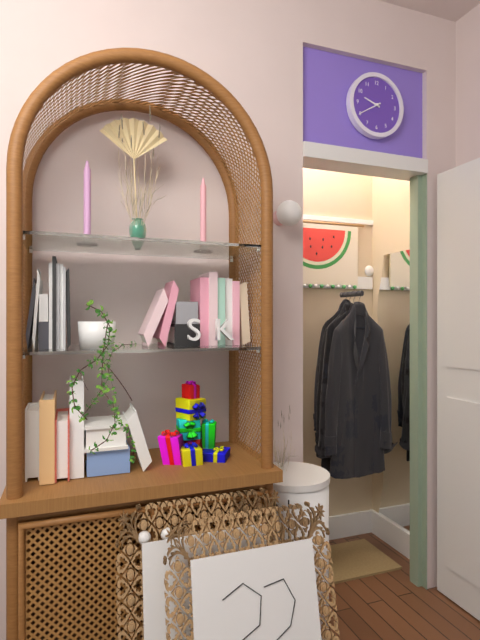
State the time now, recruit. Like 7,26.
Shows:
9,40
